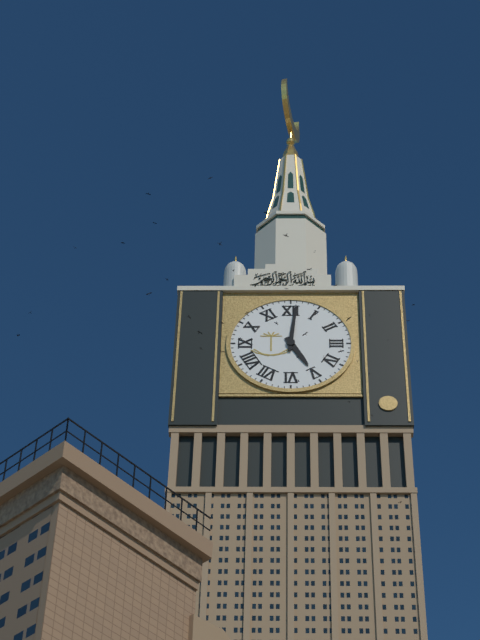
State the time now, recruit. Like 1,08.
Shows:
5,01
